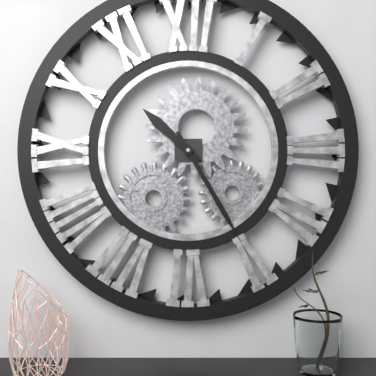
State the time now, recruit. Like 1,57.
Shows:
10,25
